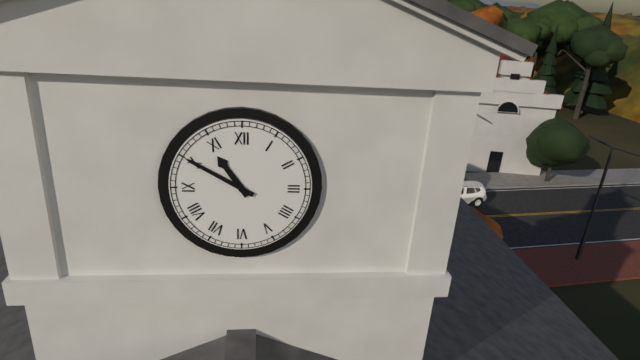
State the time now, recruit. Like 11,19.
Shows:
10,50
